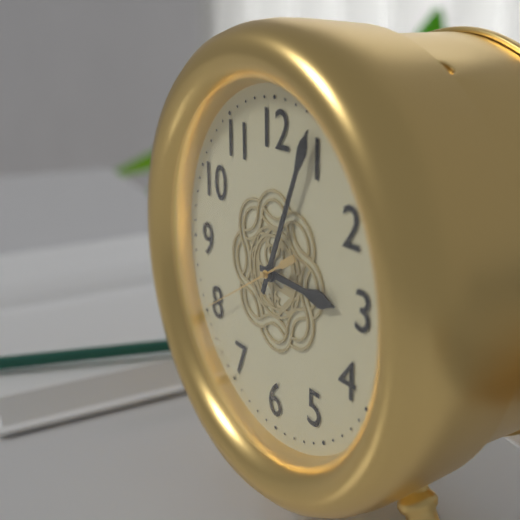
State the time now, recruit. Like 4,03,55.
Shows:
3,04,40
